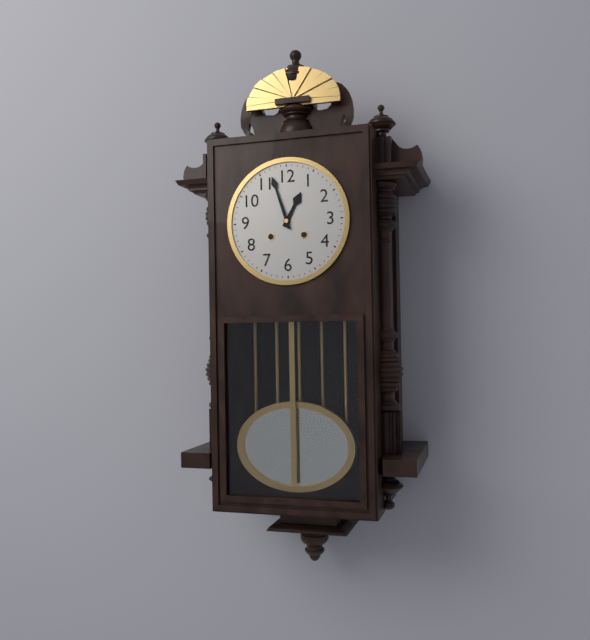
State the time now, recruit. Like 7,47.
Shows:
12,57
